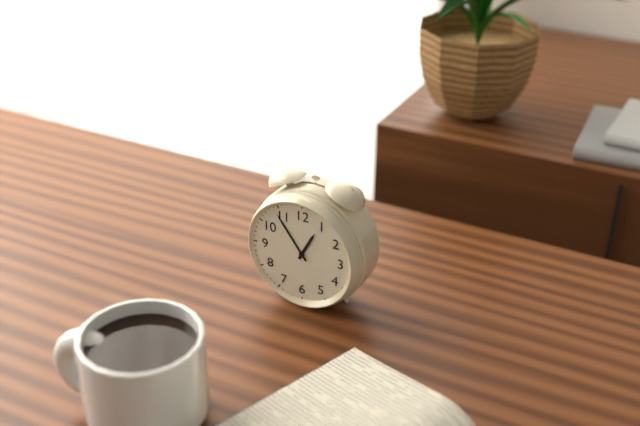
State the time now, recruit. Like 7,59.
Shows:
12,54
